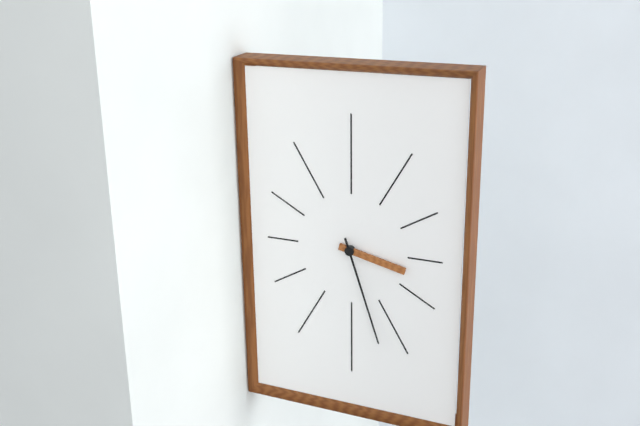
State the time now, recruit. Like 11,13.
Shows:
3,27
